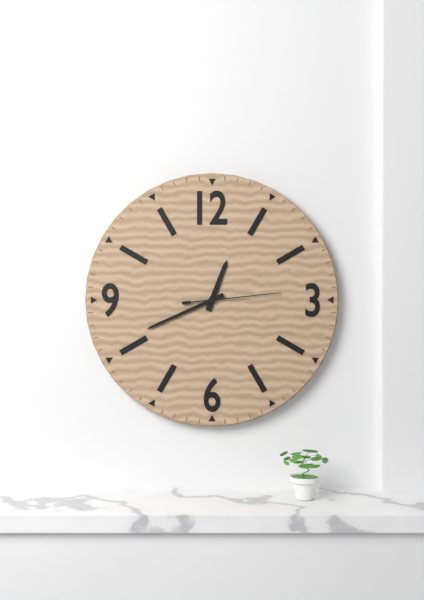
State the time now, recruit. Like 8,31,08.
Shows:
12,41,14
